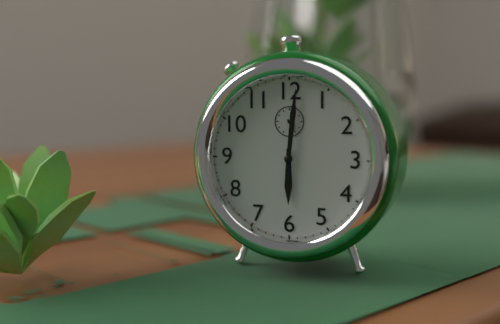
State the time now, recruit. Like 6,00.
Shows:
6,01
